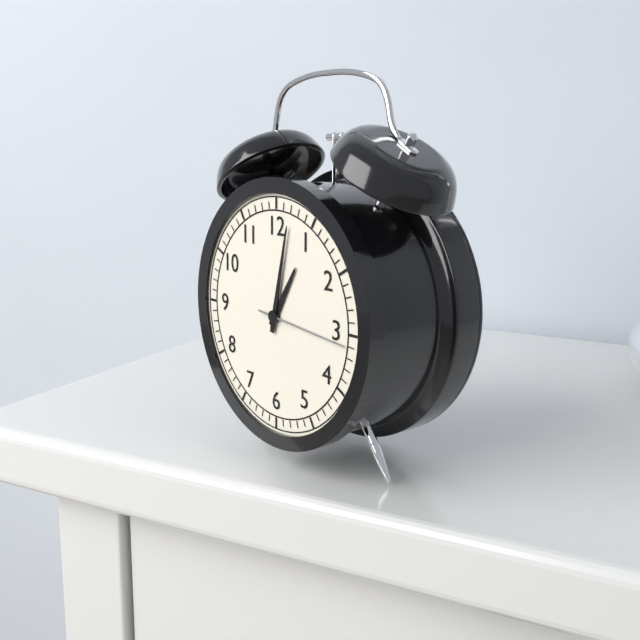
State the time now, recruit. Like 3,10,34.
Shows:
1,02,16
